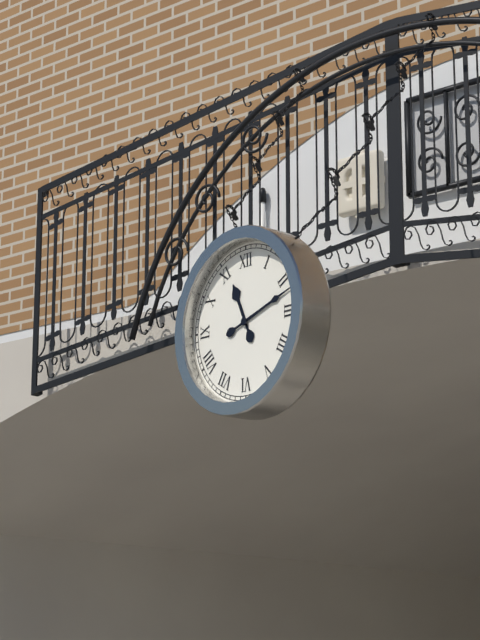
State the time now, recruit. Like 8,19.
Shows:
11,12
